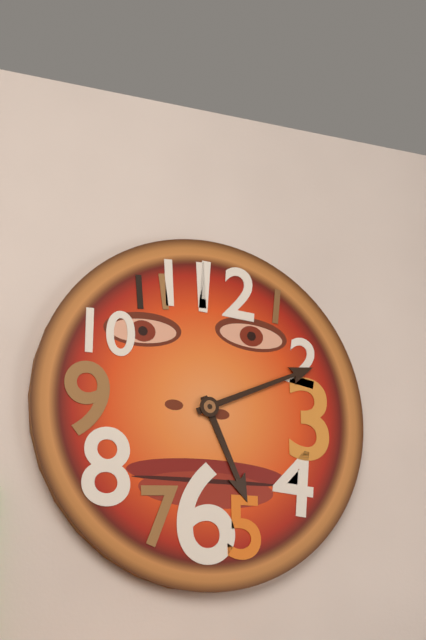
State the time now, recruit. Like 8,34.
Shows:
5,11
